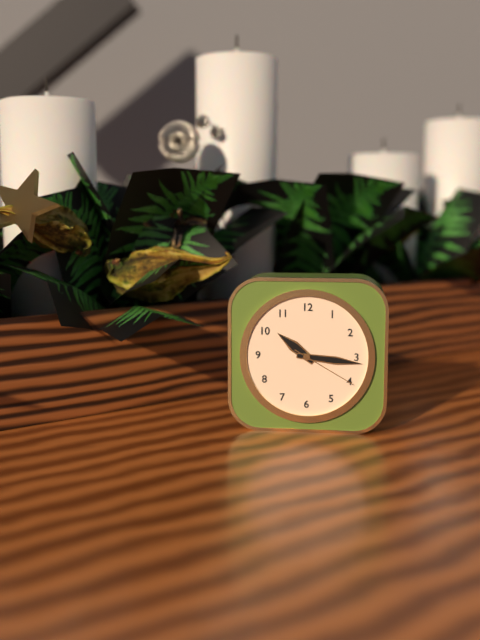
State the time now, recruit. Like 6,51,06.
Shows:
10,16,20
